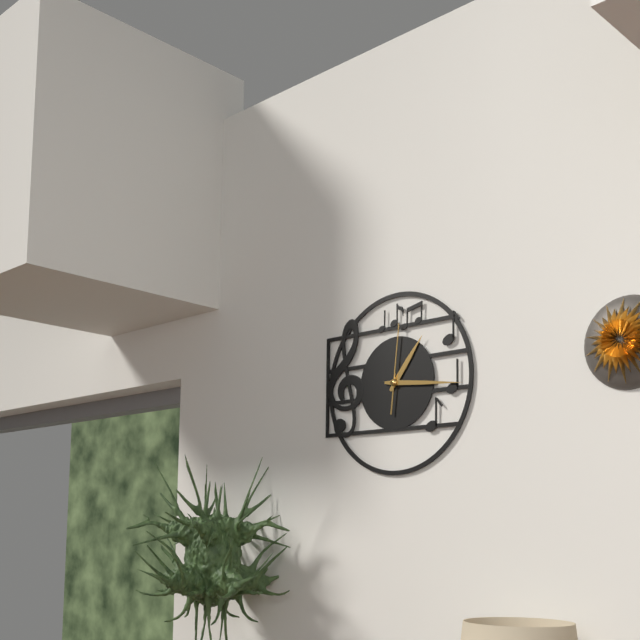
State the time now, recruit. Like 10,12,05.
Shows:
1,16,01
